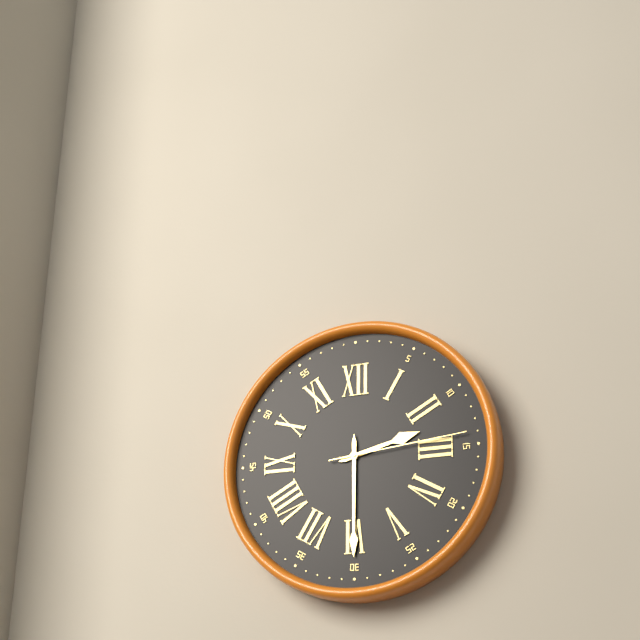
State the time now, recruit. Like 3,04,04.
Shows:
2,30,14
